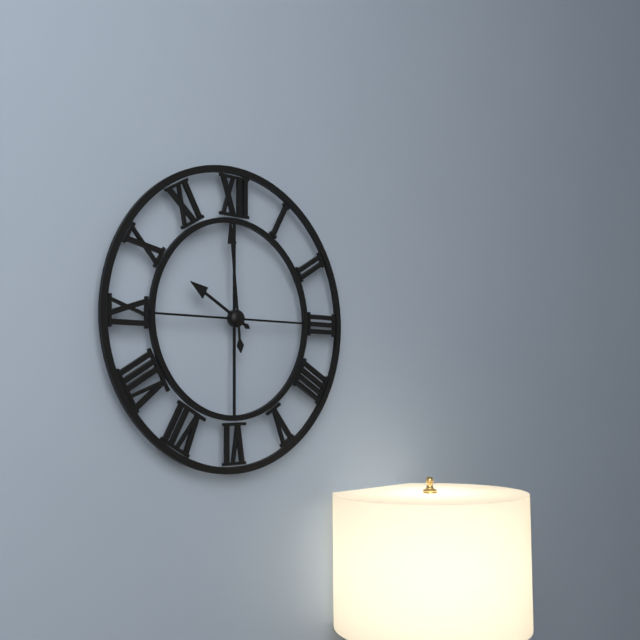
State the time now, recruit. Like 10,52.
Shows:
9,59
